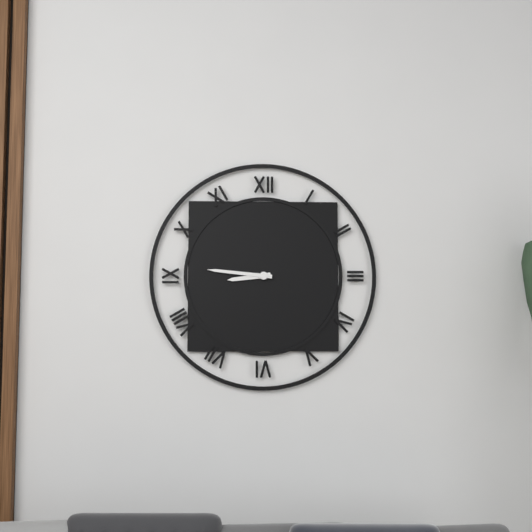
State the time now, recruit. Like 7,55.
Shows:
8,46
